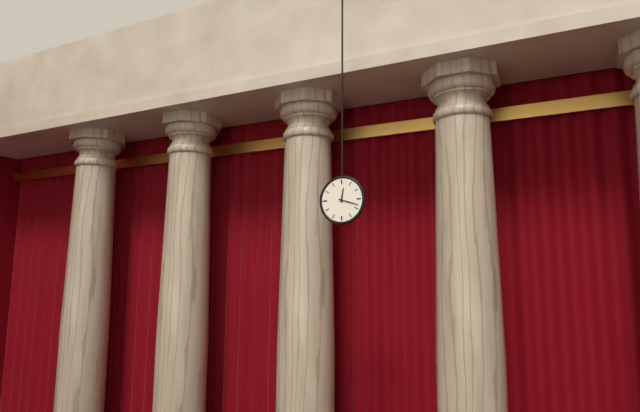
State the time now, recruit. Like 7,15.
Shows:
12,18
